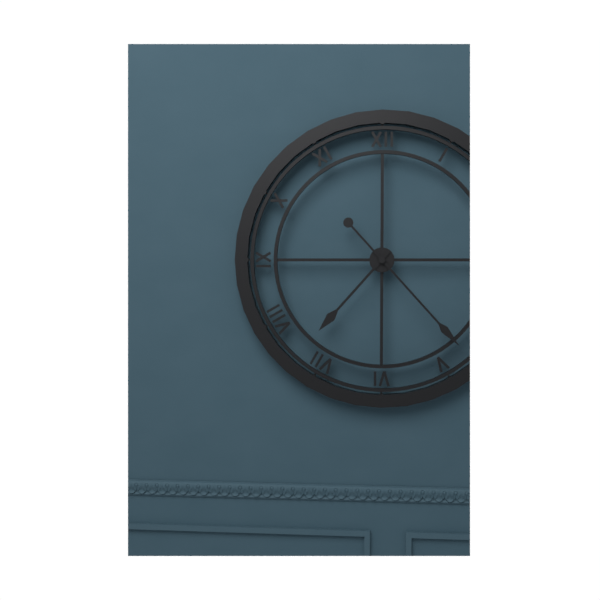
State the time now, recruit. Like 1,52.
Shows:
7,23
